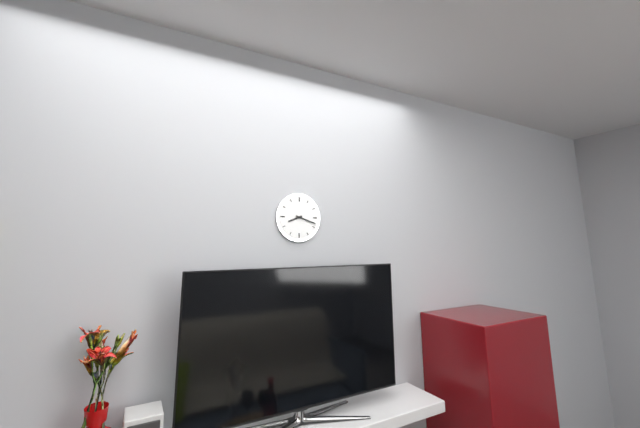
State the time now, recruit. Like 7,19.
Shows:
8,18
